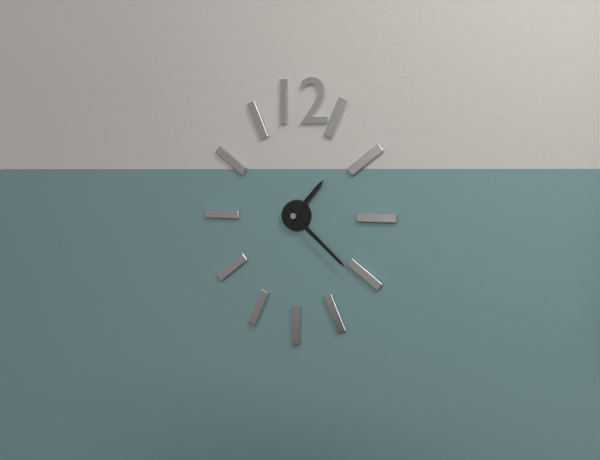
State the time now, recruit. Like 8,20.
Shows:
1,22
